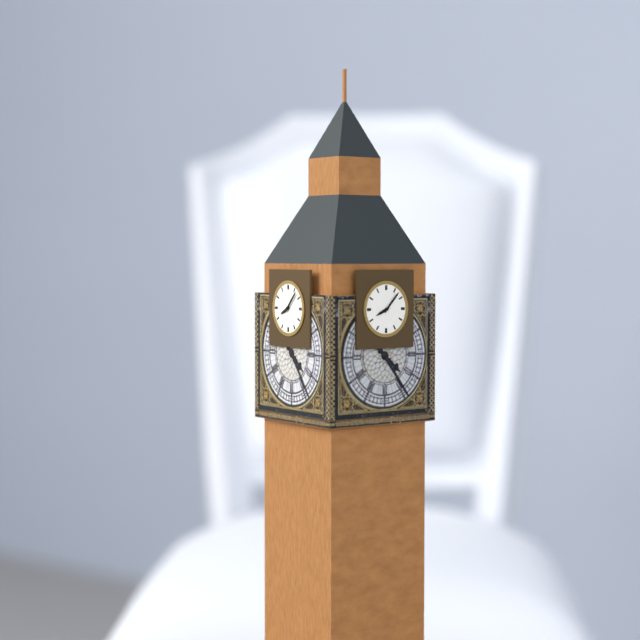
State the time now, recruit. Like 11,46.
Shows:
8,07
